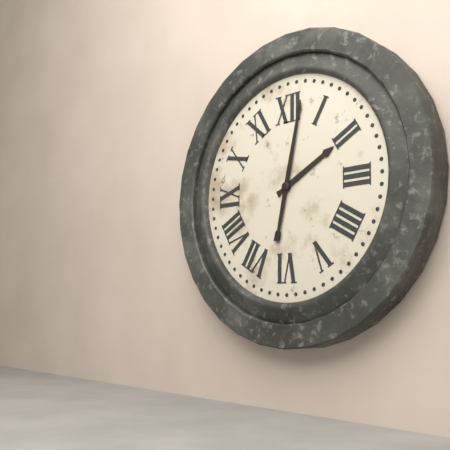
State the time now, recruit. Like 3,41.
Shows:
2,02
